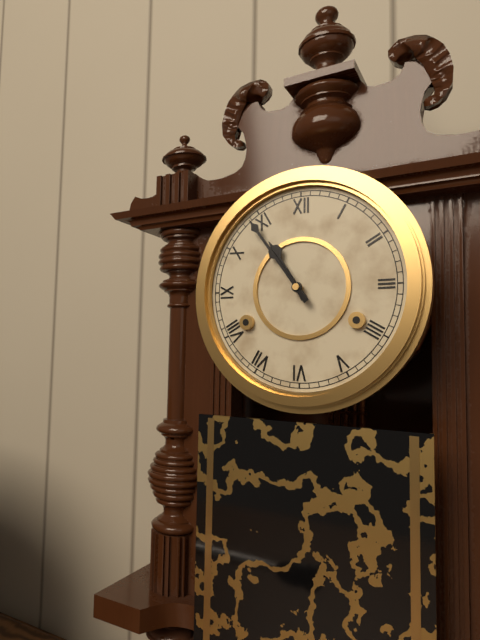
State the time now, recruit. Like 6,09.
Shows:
10,54
